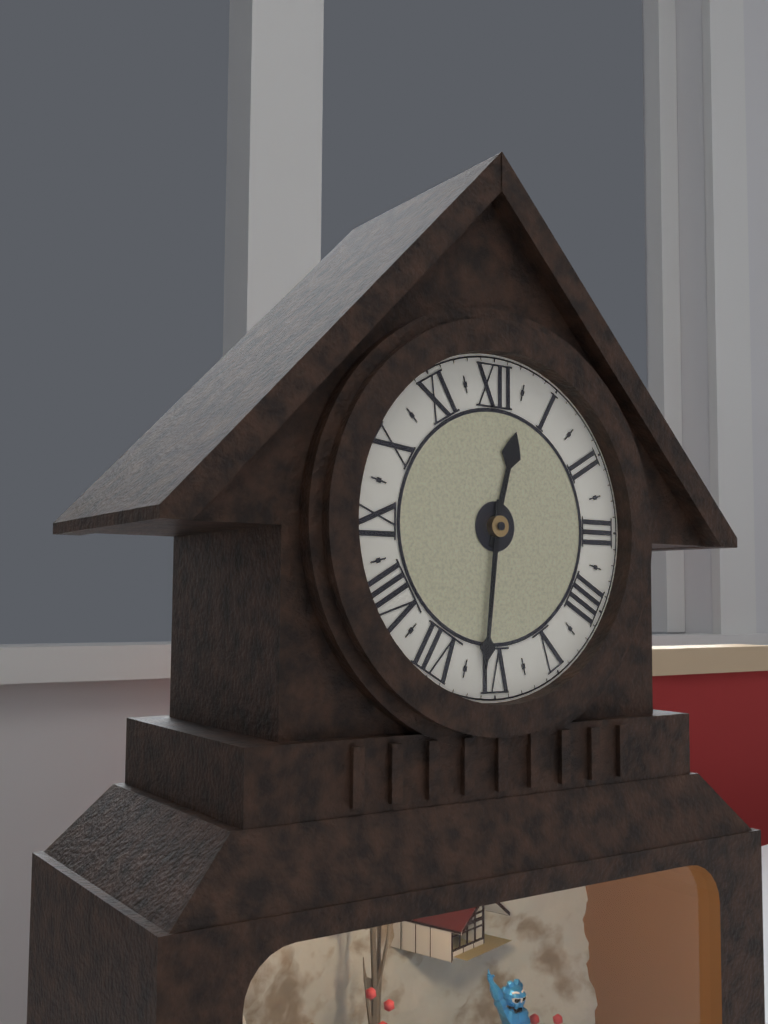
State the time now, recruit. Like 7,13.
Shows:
12,31
